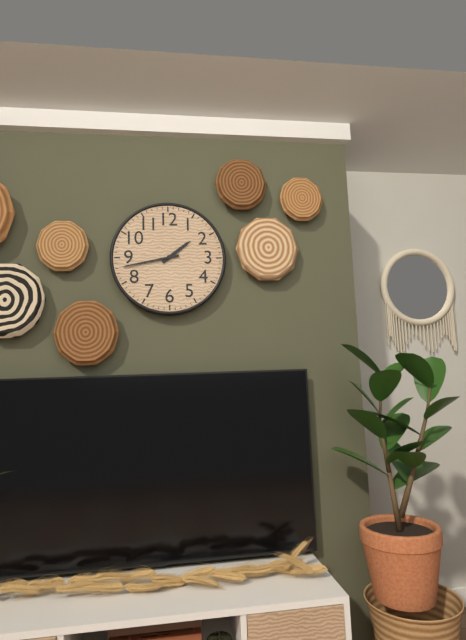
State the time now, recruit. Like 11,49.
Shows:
1,43
